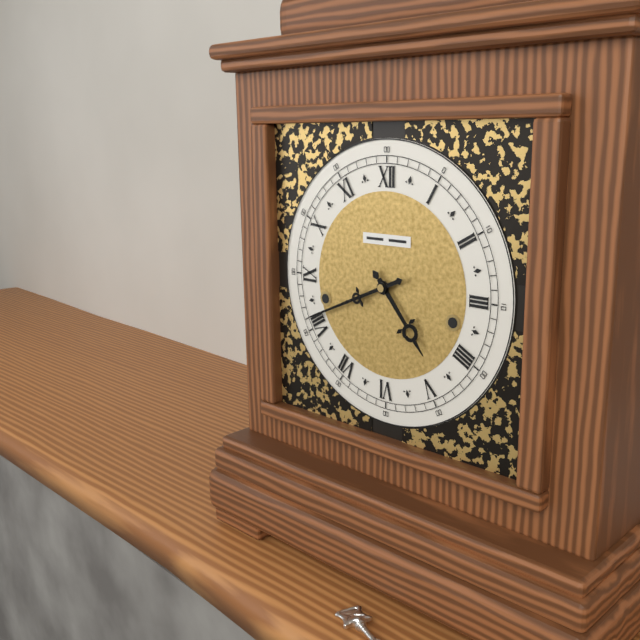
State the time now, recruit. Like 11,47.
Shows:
4,41
